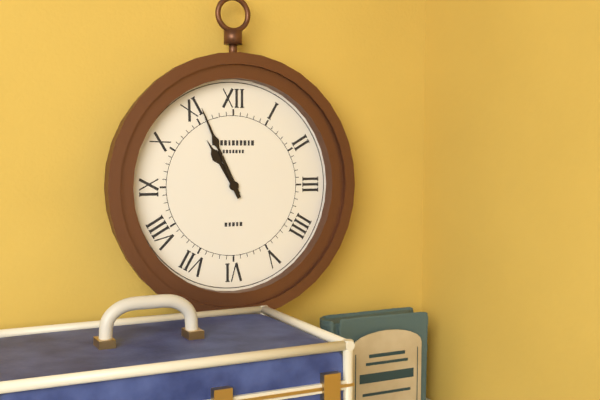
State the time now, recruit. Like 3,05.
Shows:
10,56
